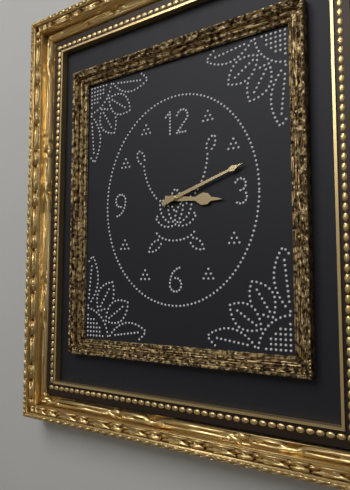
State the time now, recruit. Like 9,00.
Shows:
3,12
